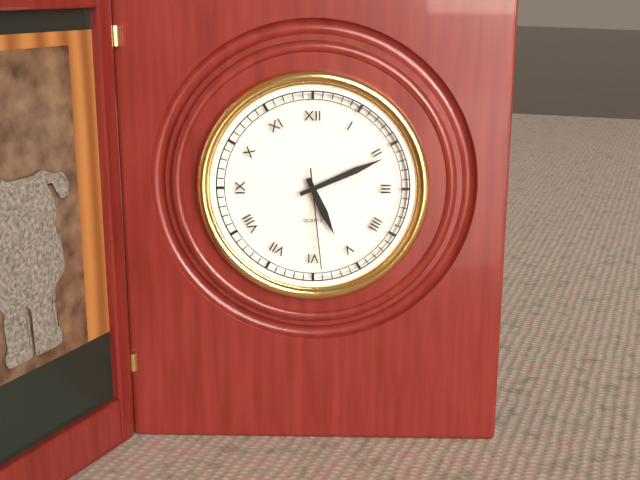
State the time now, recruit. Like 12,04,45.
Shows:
5,11,29
